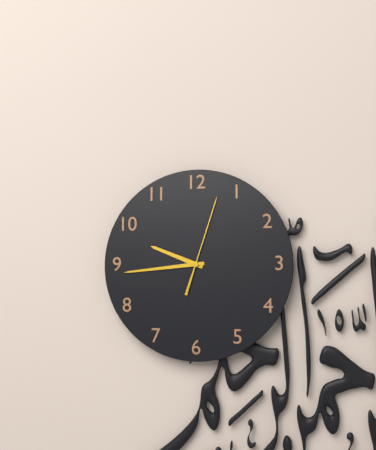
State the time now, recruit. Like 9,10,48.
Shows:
9,44,03
